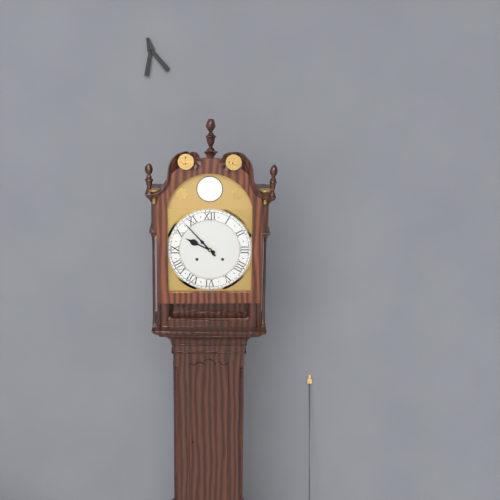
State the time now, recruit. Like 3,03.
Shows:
9,53
